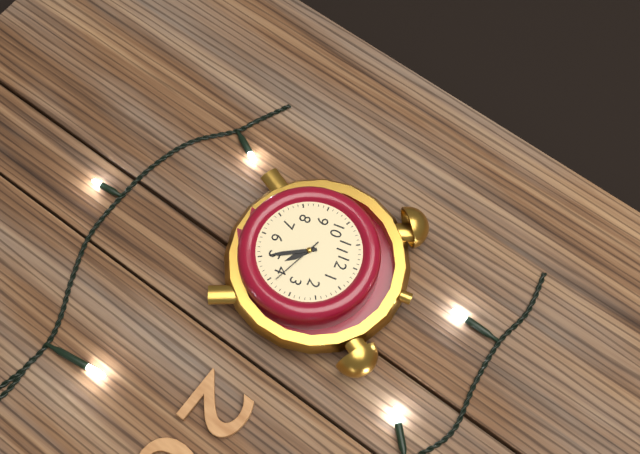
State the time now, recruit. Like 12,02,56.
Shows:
4,25,19
